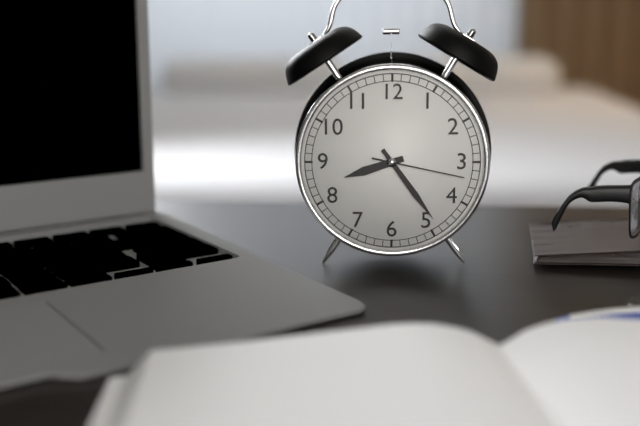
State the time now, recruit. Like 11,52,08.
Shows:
8,24,17
